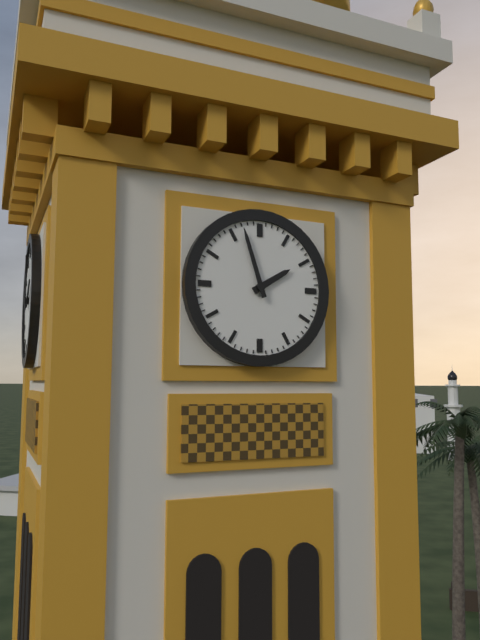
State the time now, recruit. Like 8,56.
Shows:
1,57
